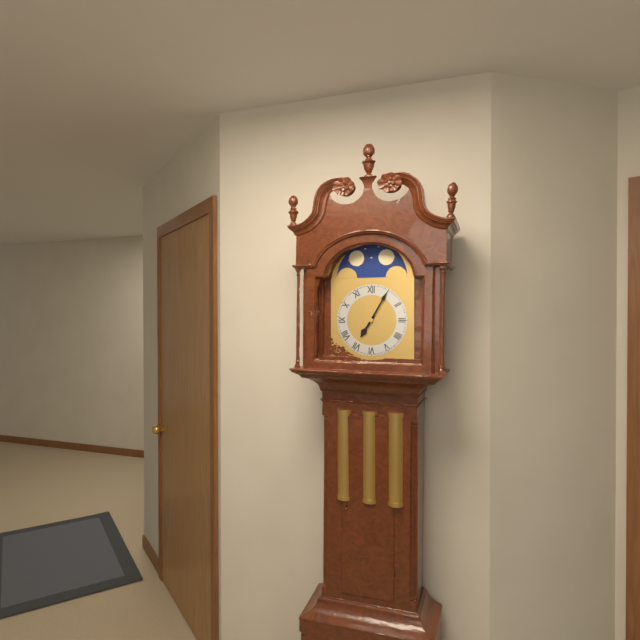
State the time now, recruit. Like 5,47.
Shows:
7,05
